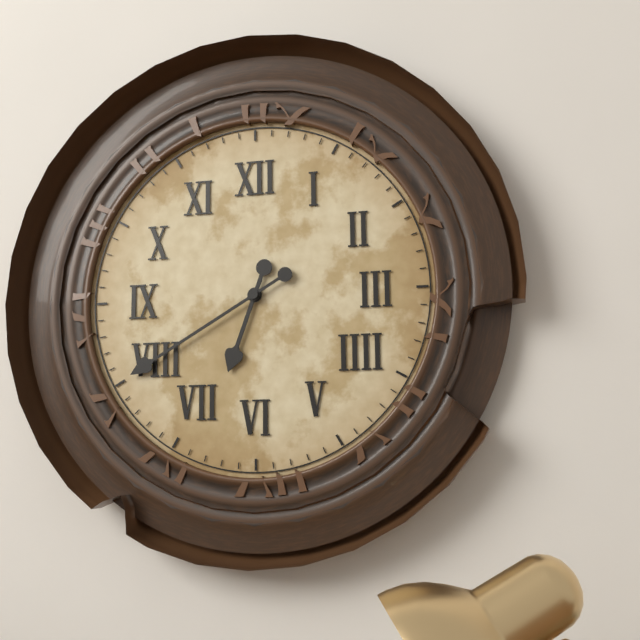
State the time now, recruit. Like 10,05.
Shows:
6,40
